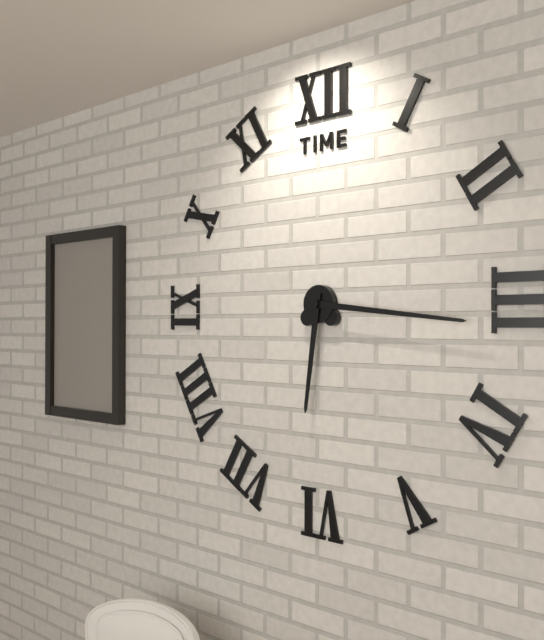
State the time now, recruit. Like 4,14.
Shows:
6,16
